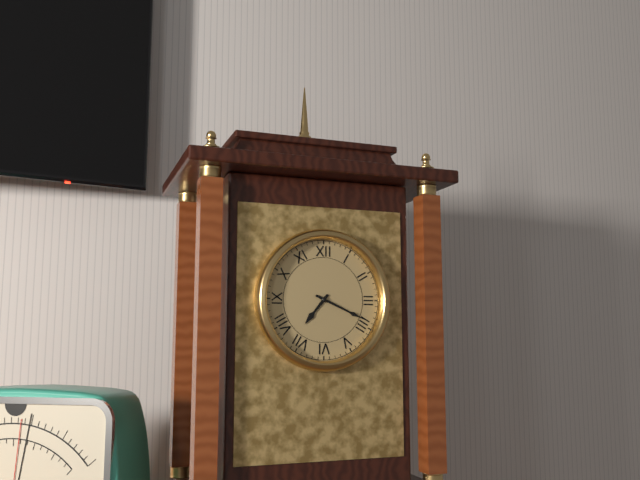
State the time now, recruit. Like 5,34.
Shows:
7,19
